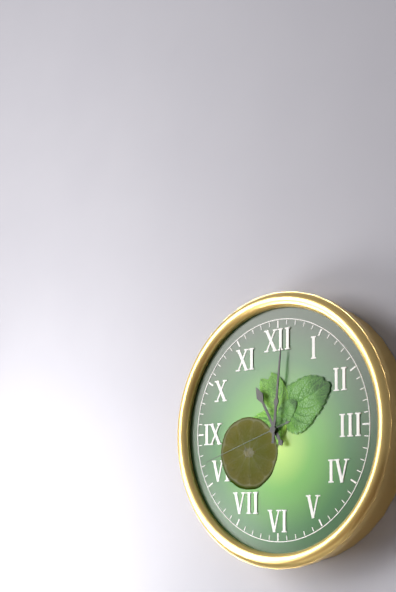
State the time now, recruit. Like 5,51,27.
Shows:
11,01,42
